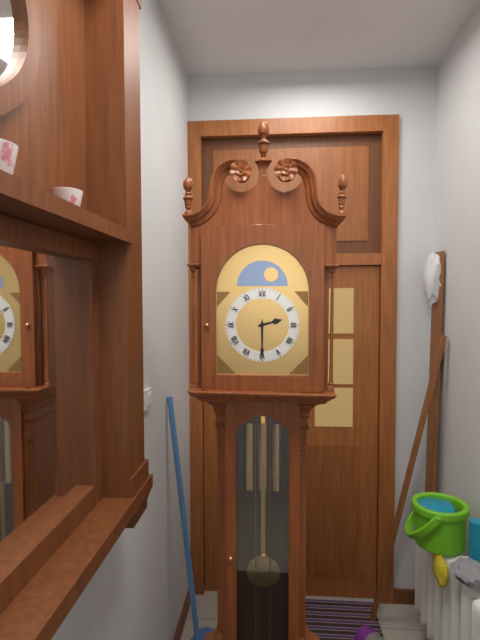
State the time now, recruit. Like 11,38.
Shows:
2,30
